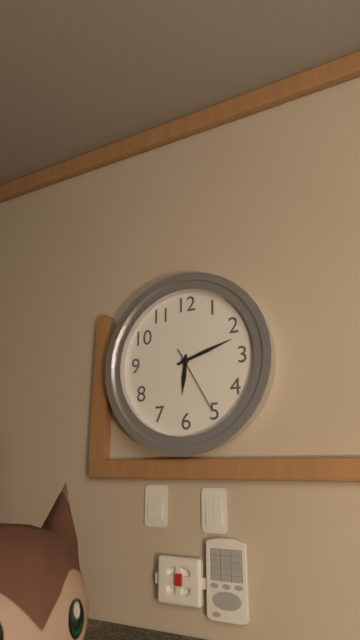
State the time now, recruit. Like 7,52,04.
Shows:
6,12,25
